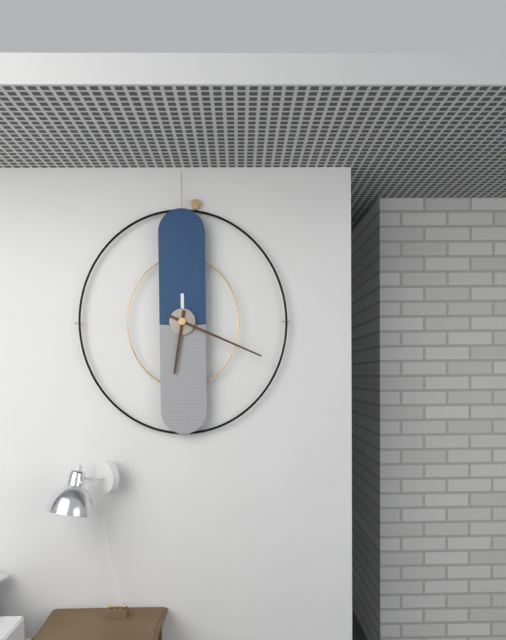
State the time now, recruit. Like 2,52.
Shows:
6,19
